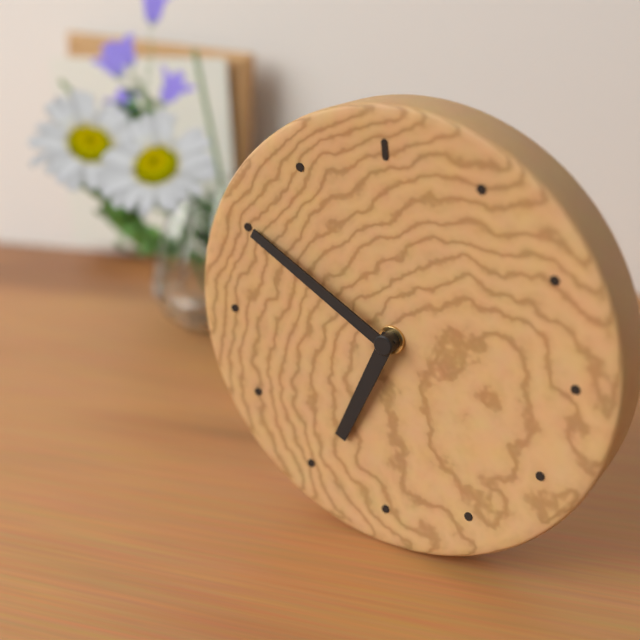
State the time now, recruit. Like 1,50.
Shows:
6,50
